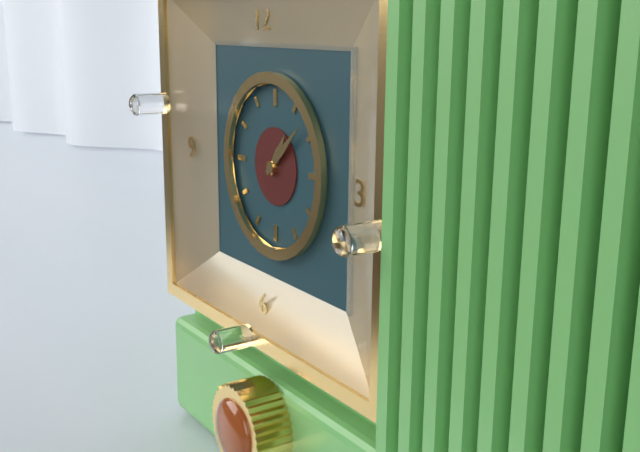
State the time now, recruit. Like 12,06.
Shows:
1,08
